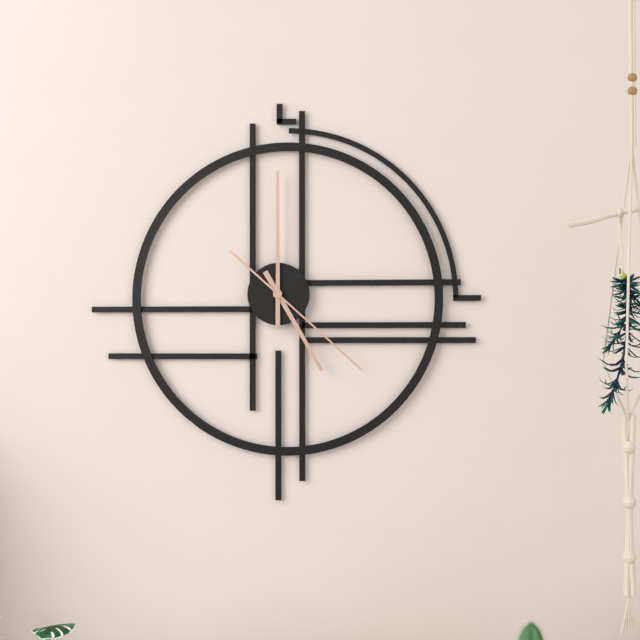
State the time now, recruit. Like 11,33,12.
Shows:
5,00,22
